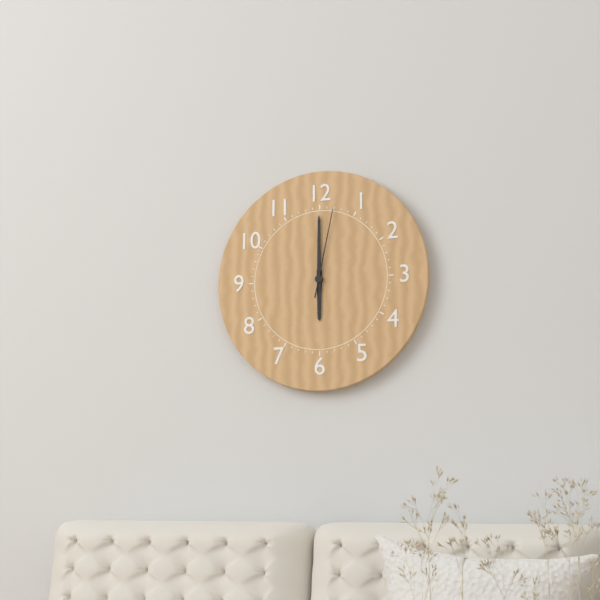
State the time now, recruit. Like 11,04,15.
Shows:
6,00,02
